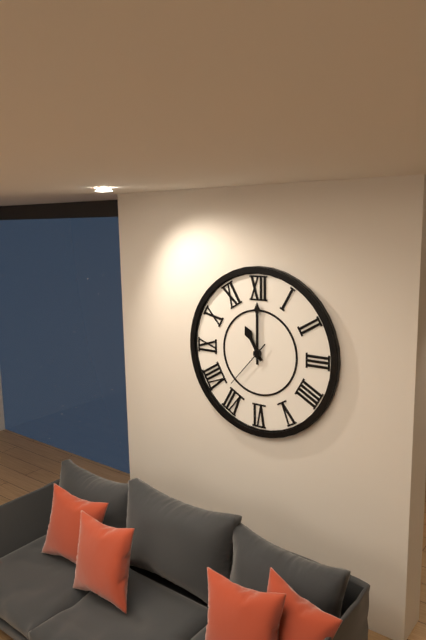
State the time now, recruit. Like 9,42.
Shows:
11,00
